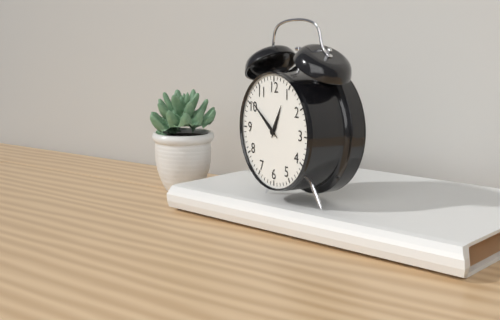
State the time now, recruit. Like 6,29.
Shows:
12,51
